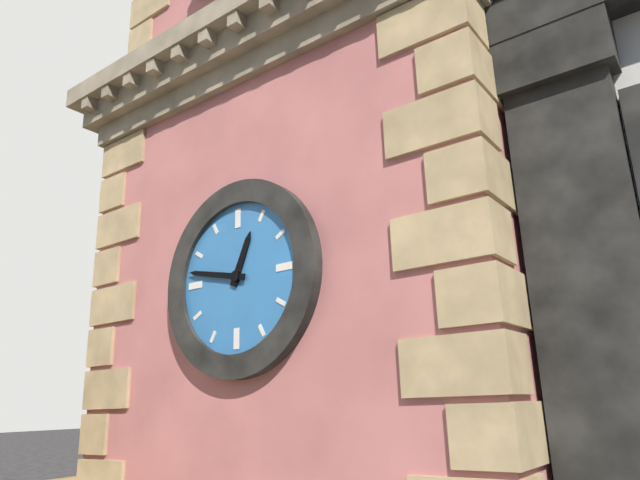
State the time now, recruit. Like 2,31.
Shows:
12,47
